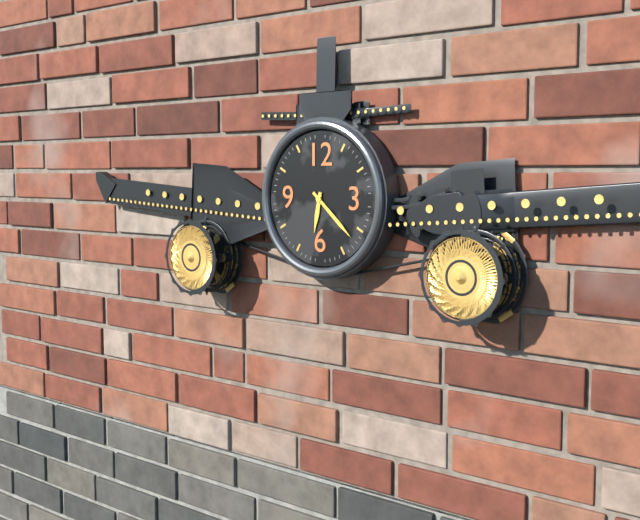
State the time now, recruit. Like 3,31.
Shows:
6,22
